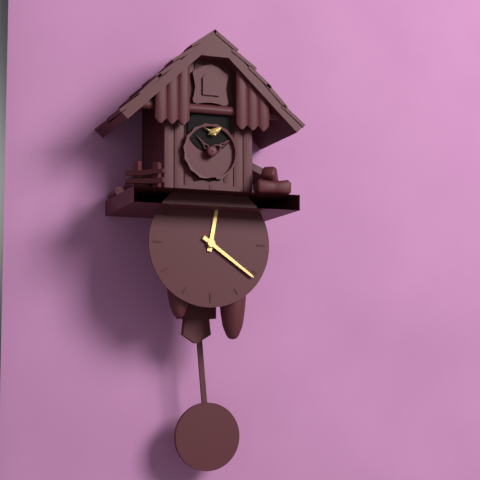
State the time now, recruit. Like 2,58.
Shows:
12,21
